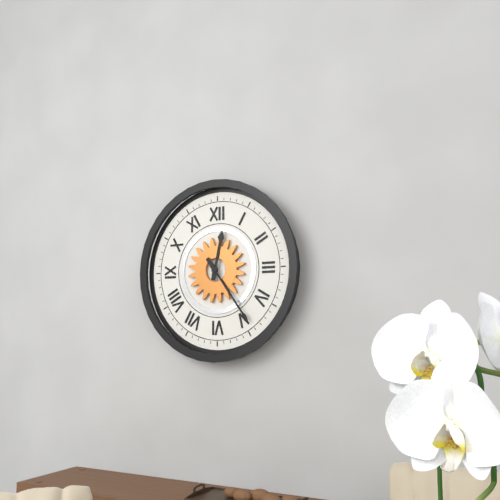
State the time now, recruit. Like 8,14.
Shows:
12,24
